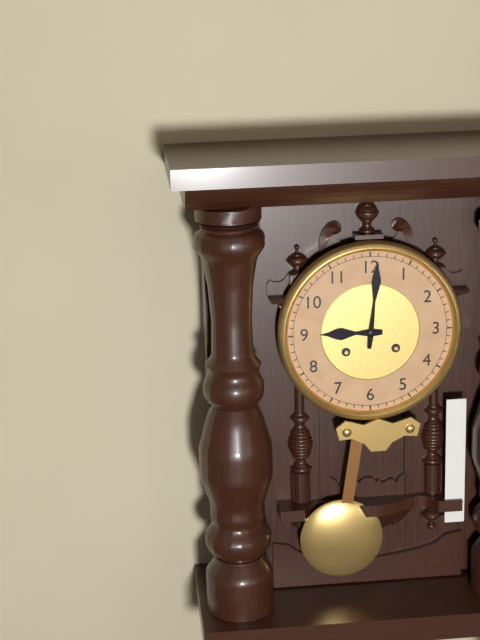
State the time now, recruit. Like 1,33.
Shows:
9,01
